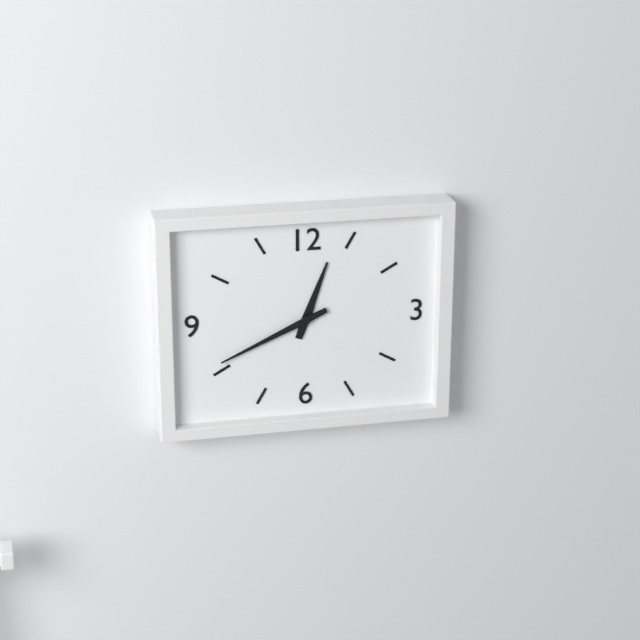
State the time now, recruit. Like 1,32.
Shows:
12,41
